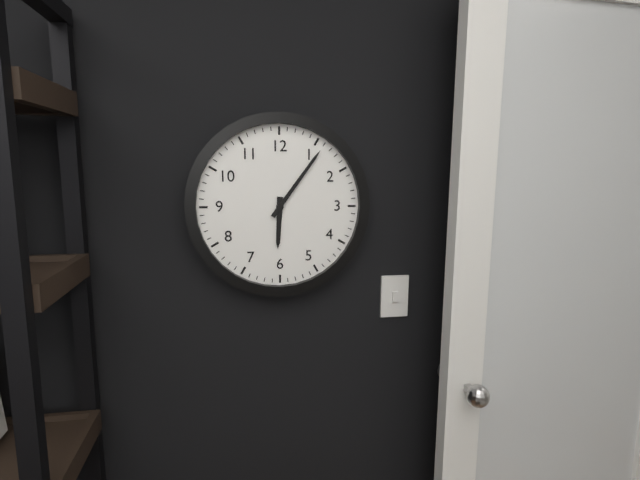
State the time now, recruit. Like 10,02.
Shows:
6,06
